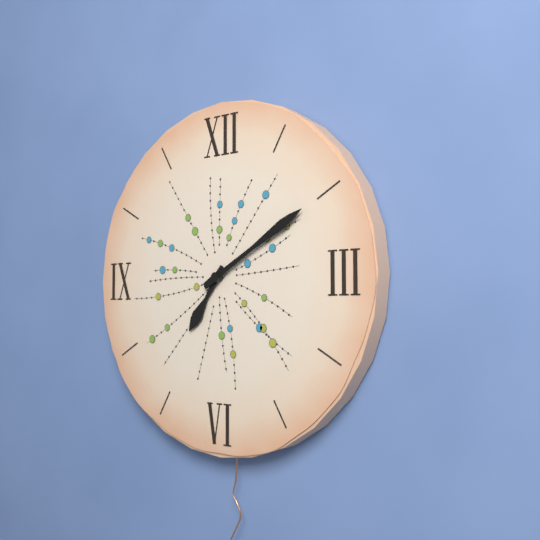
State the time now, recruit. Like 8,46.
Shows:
7,10
